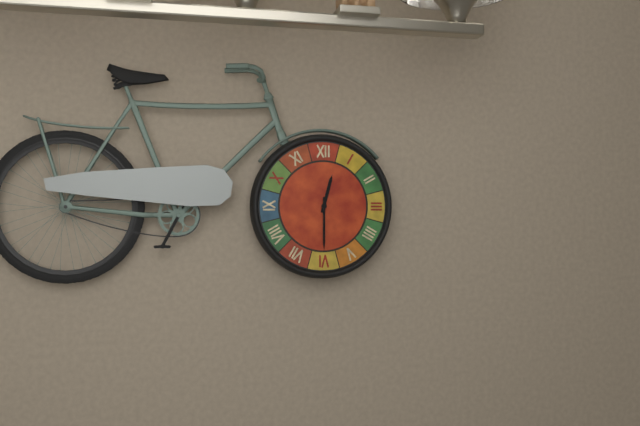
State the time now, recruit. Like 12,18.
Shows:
12,30
